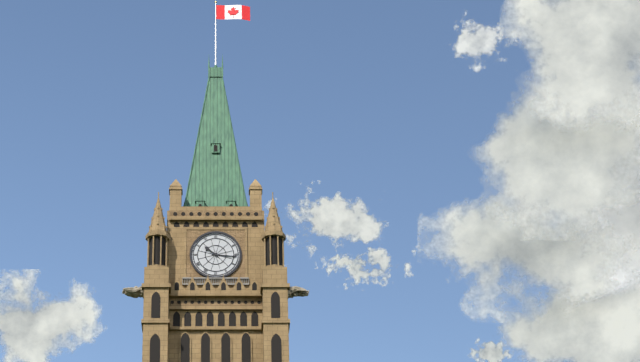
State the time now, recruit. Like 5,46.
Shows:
10,16
